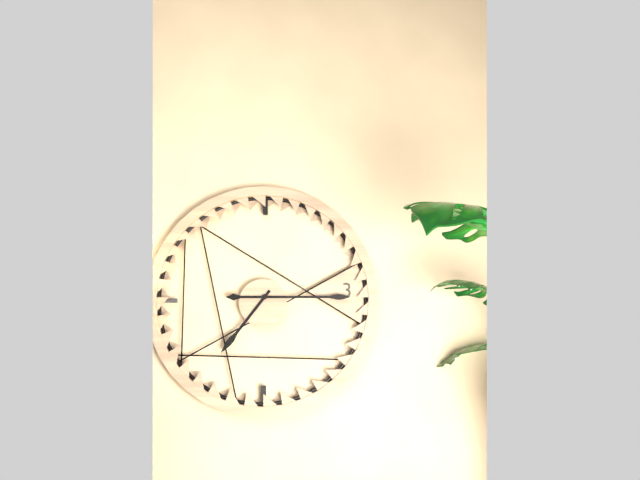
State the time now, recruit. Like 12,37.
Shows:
7,15
